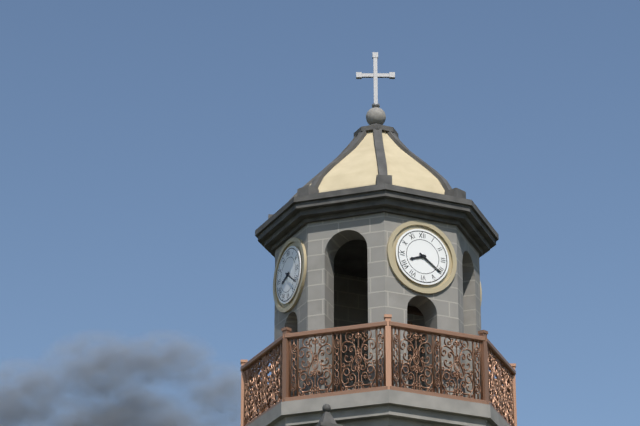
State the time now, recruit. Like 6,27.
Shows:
8,21
